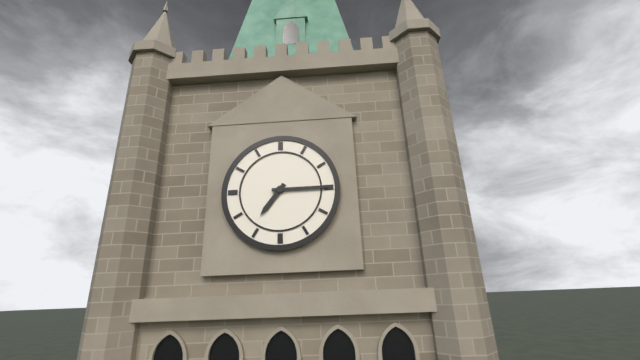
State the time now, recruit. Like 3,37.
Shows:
7,15
